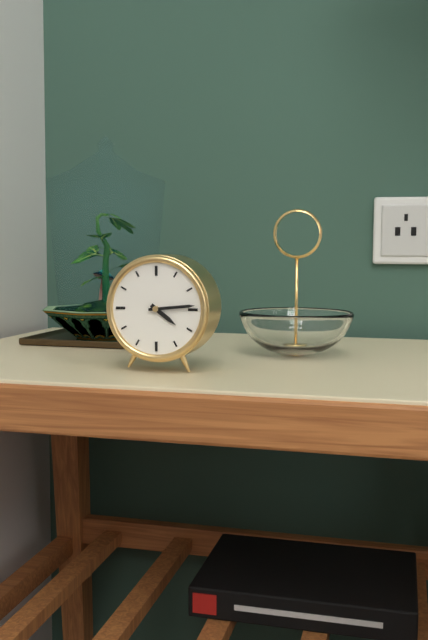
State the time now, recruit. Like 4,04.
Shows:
4,14
